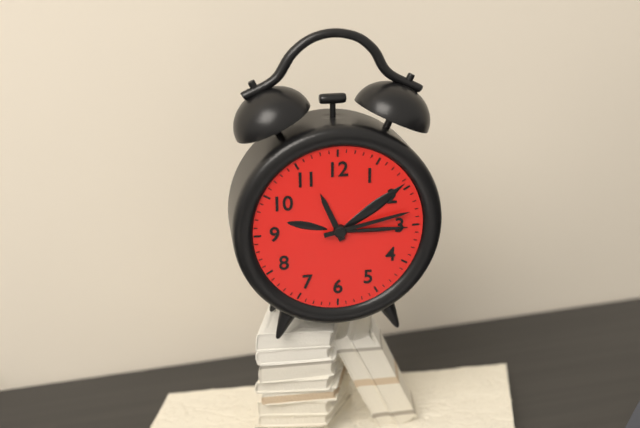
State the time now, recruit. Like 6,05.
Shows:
11,13
